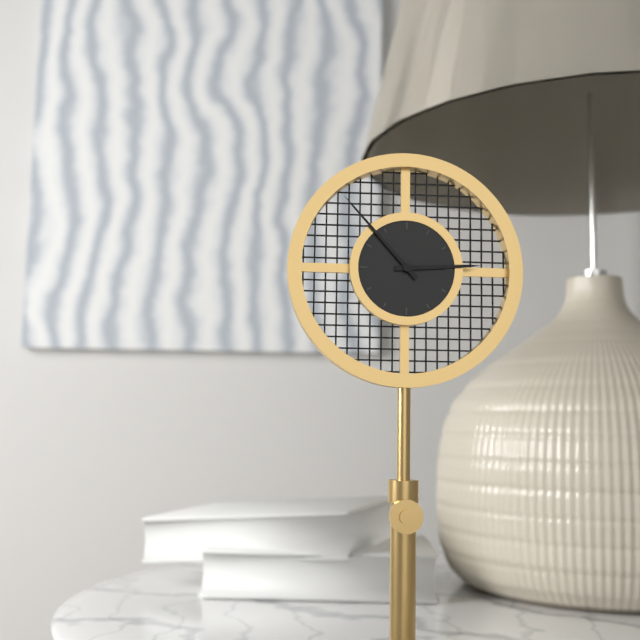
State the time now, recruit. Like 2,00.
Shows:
2,53
